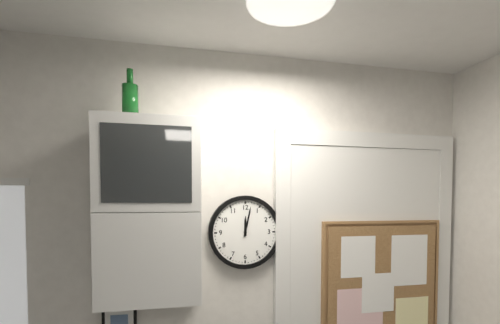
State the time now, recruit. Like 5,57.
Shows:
12,02
